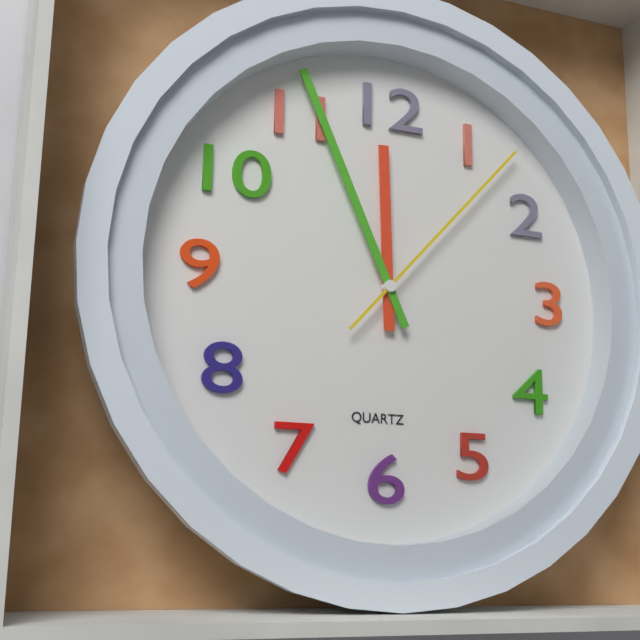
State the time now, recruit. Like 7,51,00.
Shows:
11,56,07
